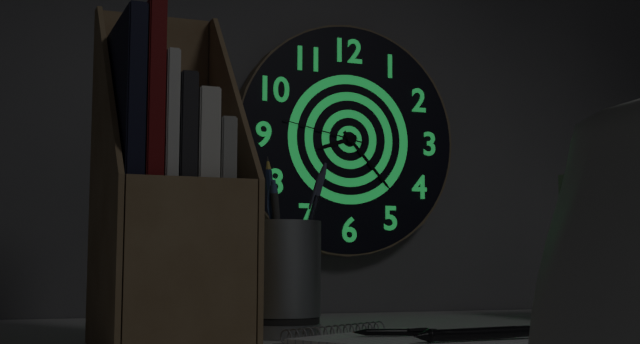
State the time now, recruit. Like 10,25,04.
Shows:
8,23,47
